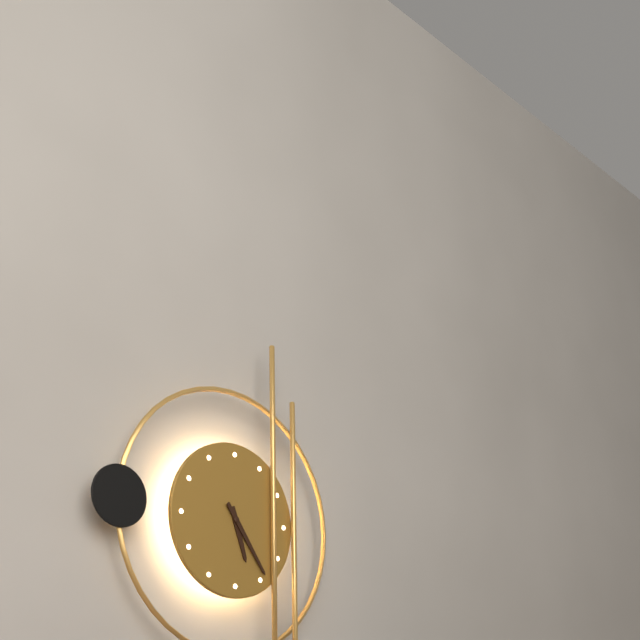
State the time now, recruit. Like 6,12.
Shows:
5,24
